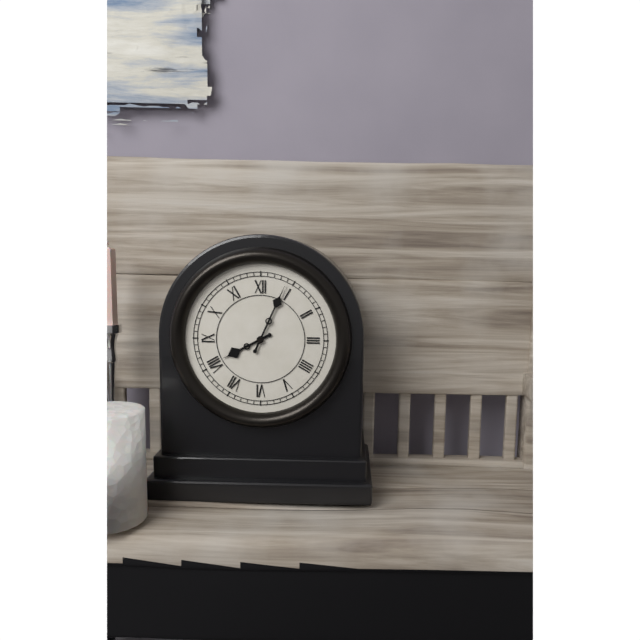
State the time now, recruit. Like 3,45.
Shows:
8,04
